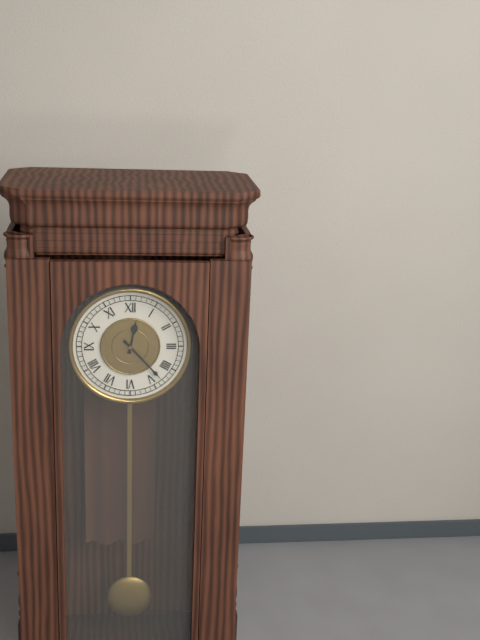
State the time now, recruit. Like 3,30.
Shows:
12,23
